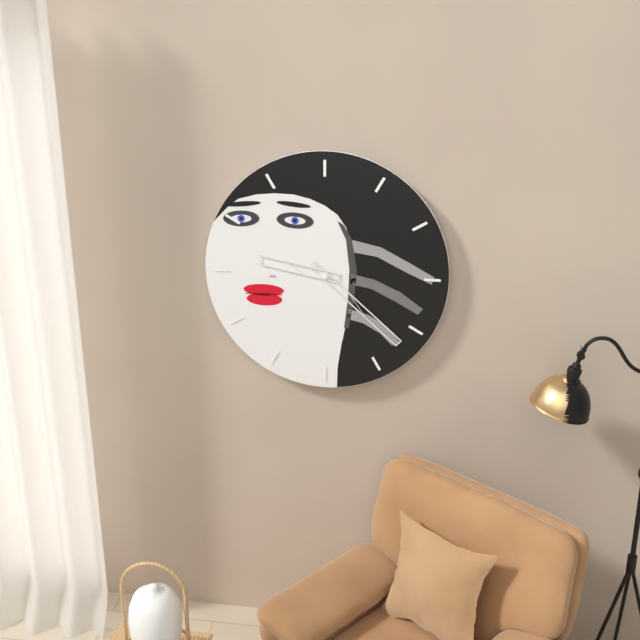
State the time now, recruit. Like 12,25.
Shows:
9,22
